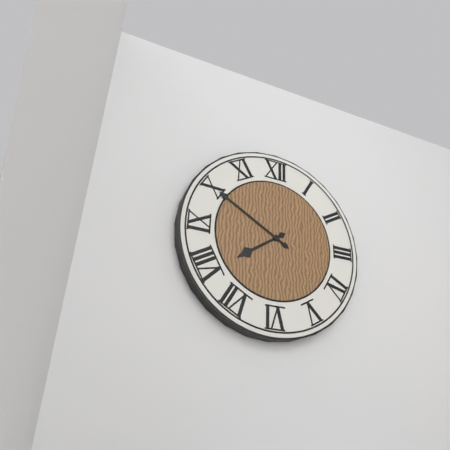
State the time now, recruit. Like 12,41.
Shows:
7,50
